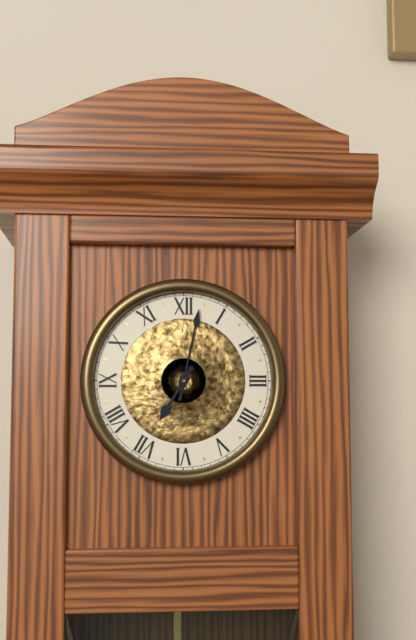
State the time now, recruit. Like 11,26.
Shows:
7,02
